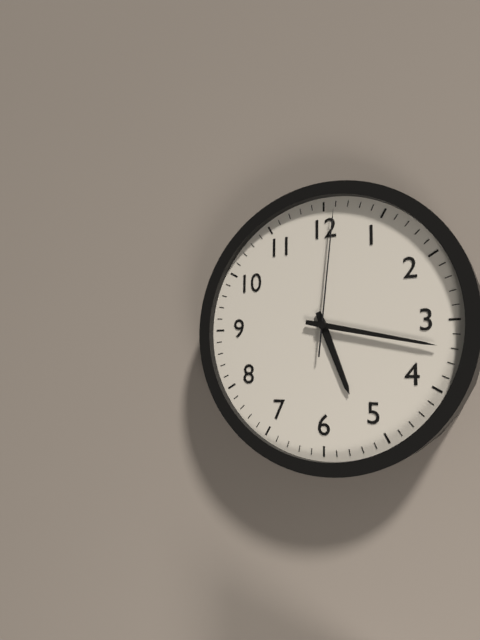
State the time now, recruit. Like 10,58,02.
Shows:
5,17,01
